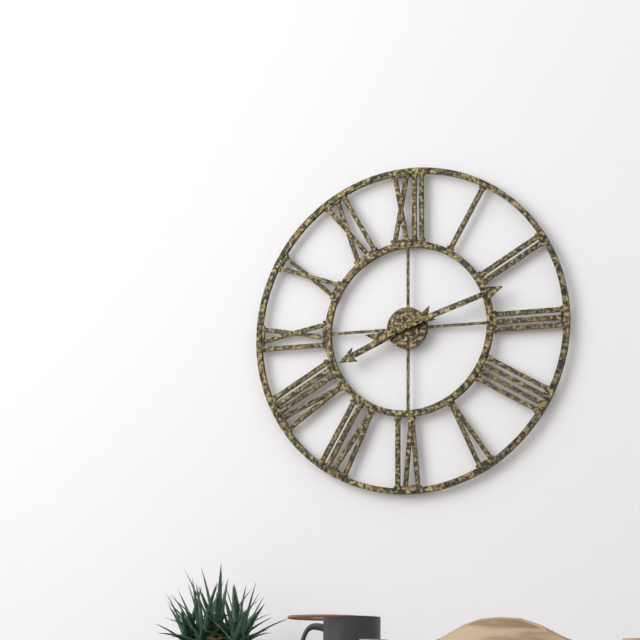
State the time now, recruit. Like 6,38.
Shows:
8,12
